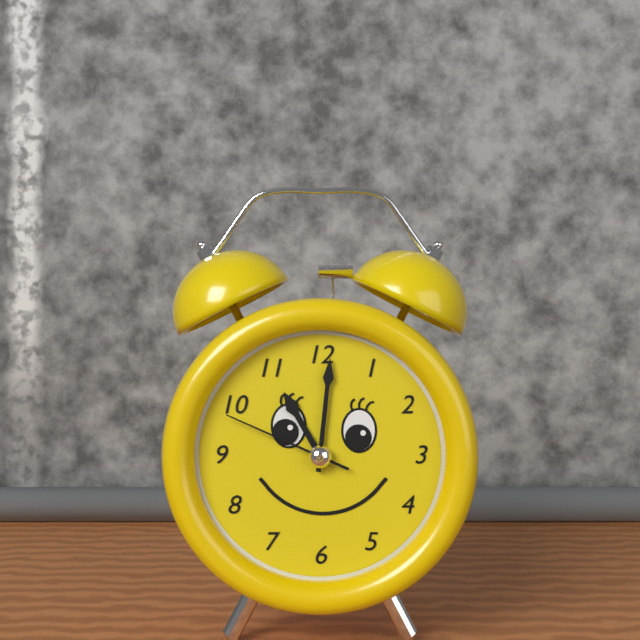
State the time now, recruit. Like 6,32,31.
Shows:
11,01,49
